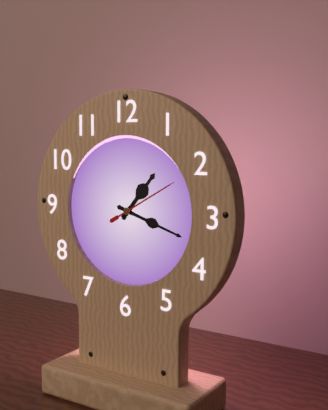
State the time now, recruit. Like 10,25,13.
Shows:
1,18,10
